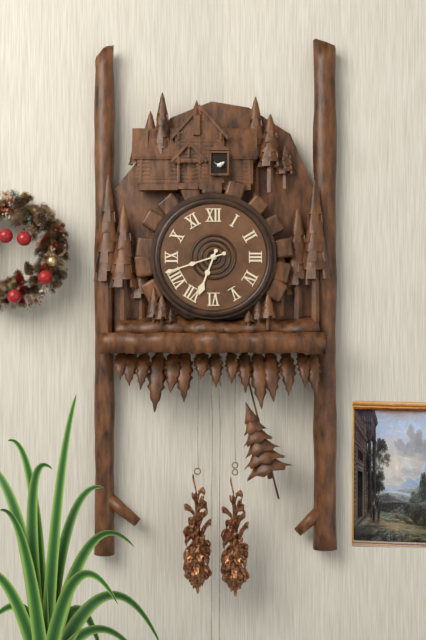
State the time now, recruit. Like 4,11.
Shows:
6,42
